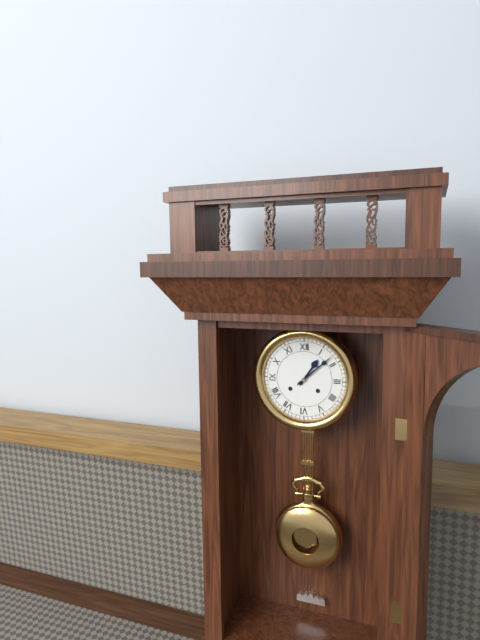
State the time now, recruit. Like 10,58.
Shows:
1,08
